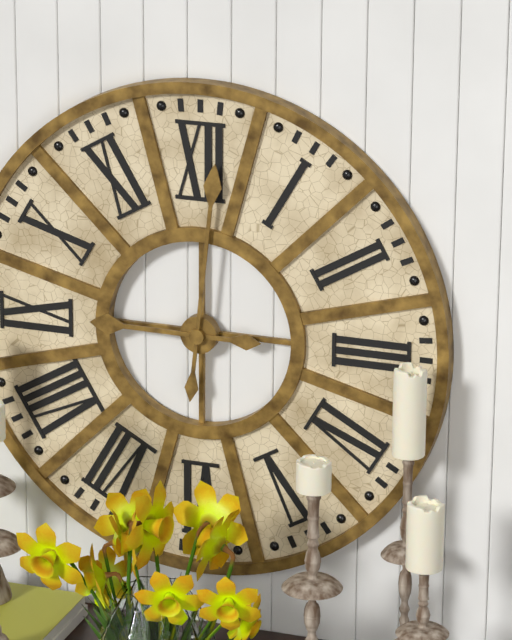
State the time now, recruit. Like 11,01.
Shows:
9,01
